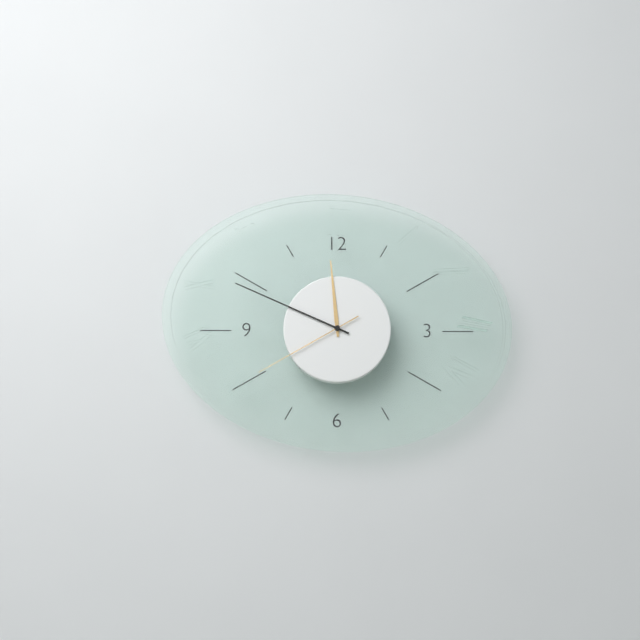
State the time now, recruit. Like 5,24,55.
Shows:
11,49,40
